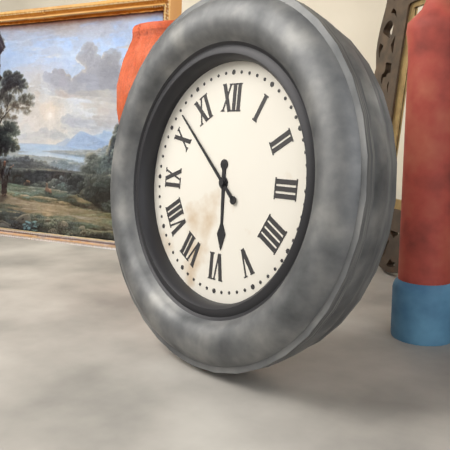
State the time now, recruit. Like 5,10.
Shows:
5,52
